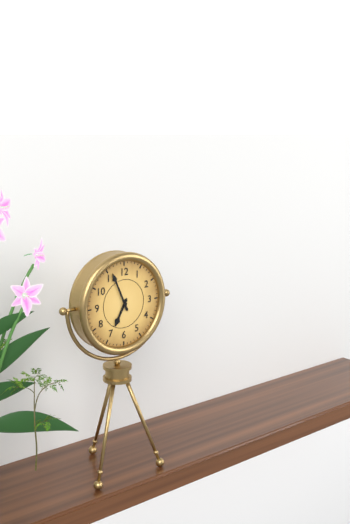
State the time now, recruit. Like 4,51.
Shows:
6,56
